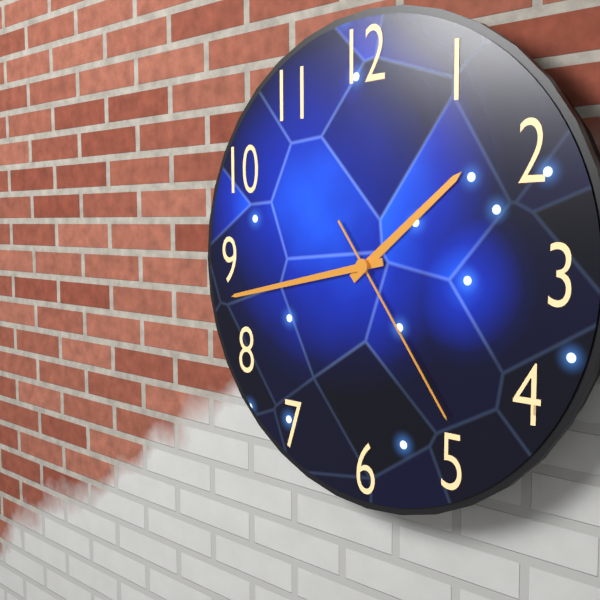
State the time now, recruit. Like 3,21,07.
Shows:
1,43,24
